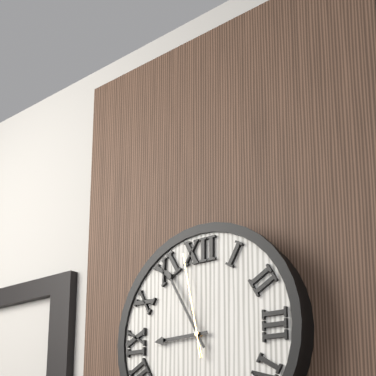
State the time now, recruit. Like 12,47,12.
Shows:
8,55,58
